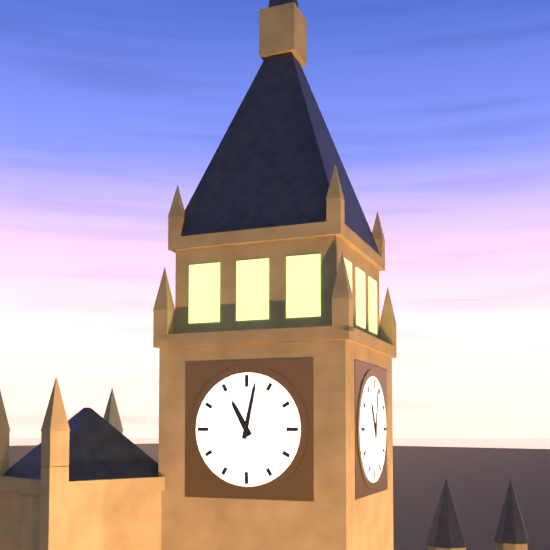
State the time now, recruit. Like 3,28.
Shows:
11,02
